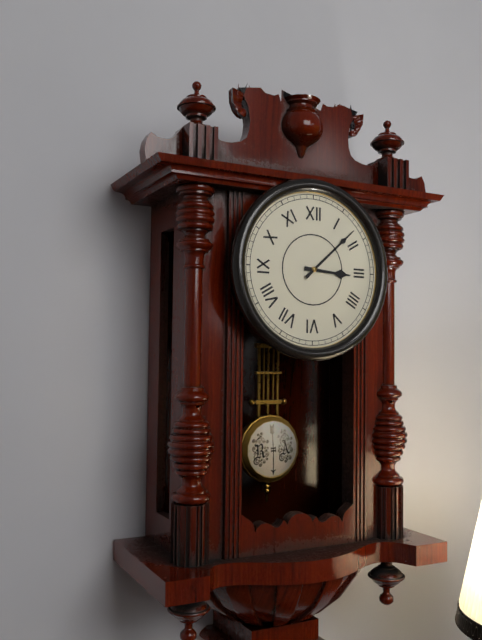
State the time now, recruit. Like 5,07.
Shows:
3,08
